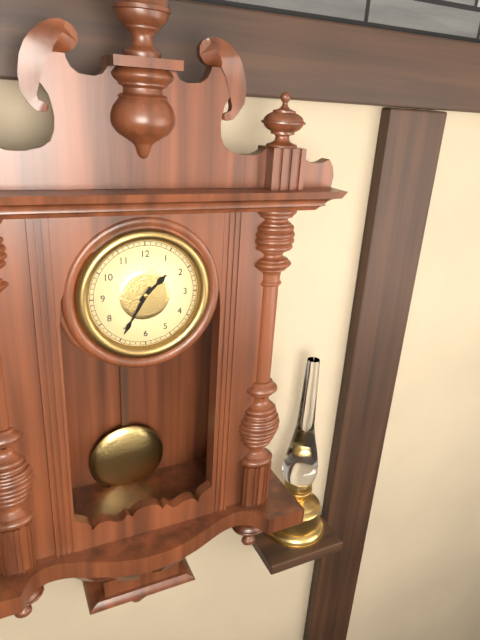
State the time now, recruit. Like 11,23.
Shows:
1,35
